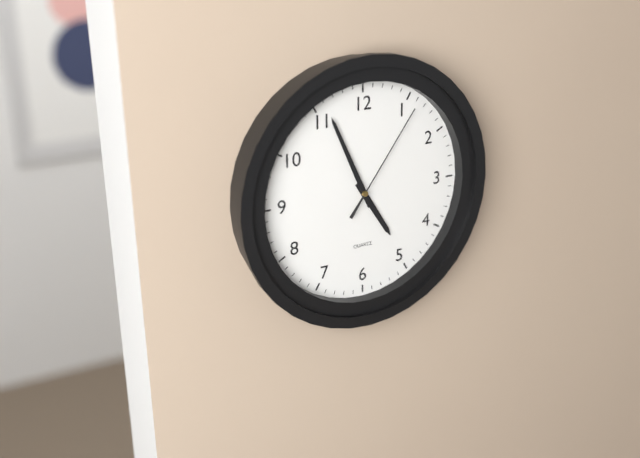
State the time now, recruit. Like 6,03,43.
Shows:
4,56,06
